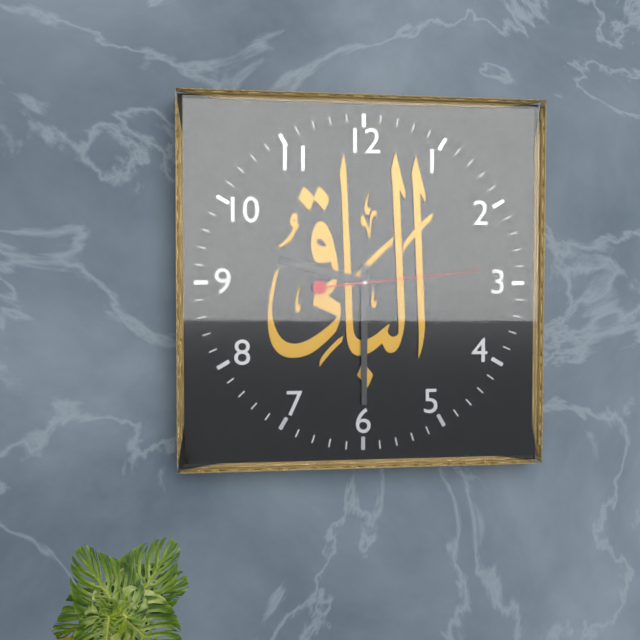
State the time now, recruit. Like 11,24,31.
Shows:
9,30,14
